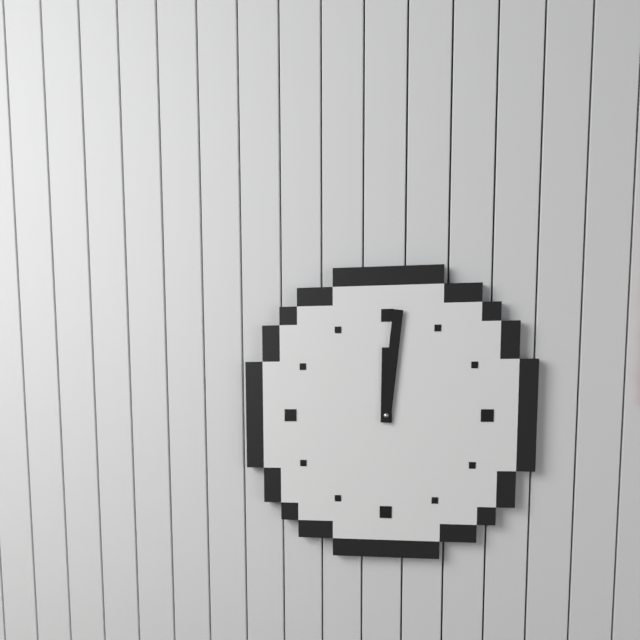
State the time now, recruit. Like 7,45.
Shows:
12,01
